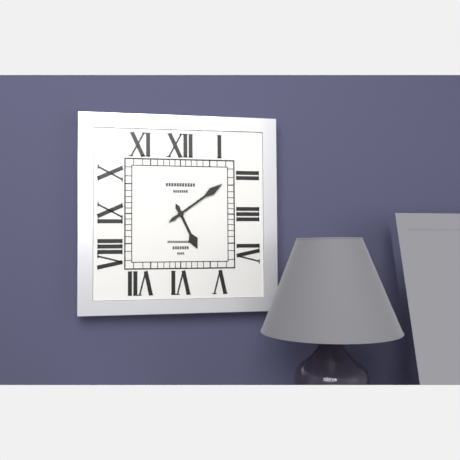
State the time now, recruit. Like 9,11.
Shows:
5,09
